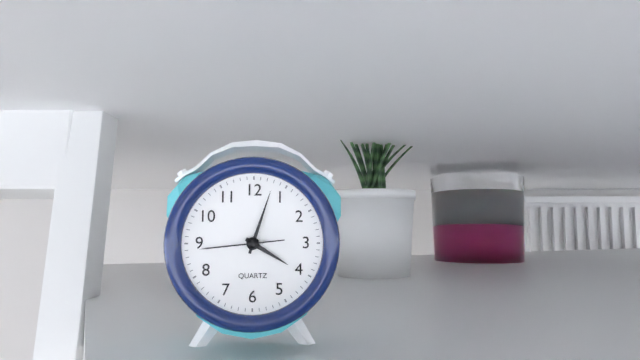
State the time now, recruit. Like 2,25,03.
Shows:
4,03,44
